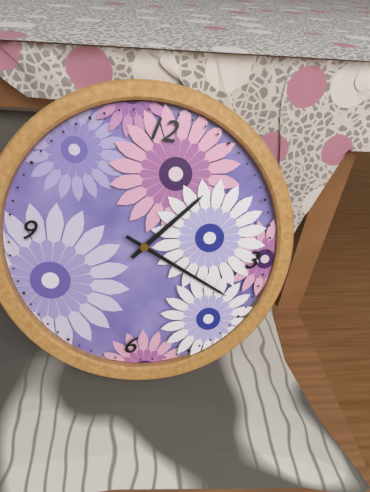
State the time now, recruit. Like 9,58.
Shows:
1,19
